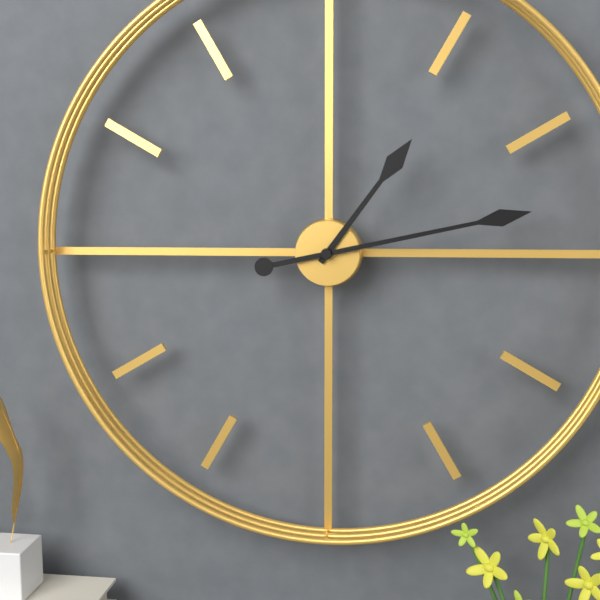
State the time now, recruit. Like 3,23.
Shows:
1,13
